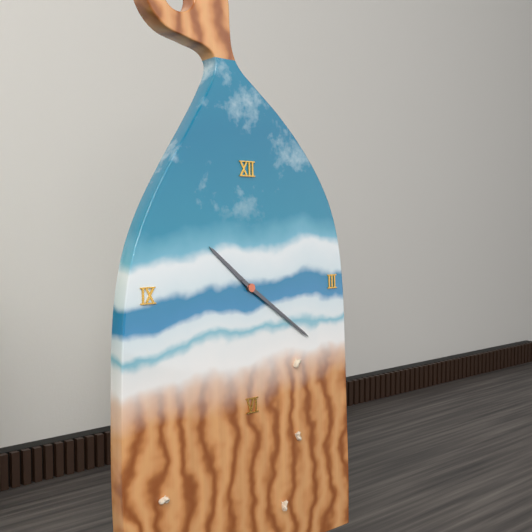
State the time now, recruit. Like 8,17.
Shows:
10,21
